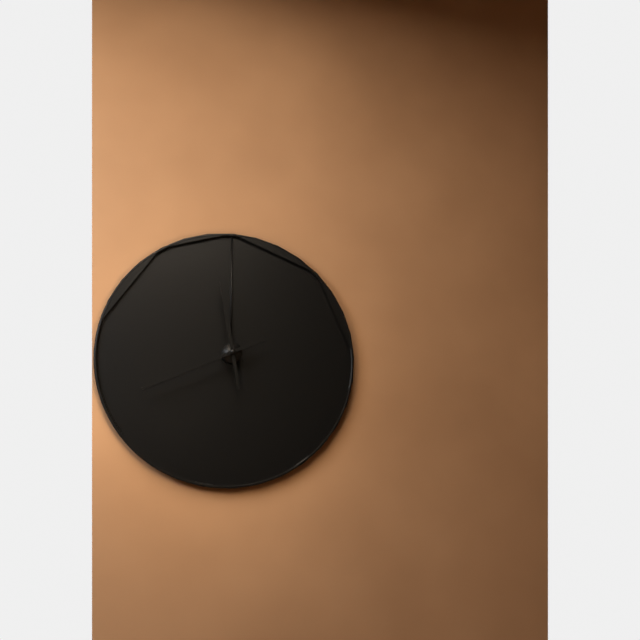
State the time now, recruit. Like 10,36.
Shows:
11,41
